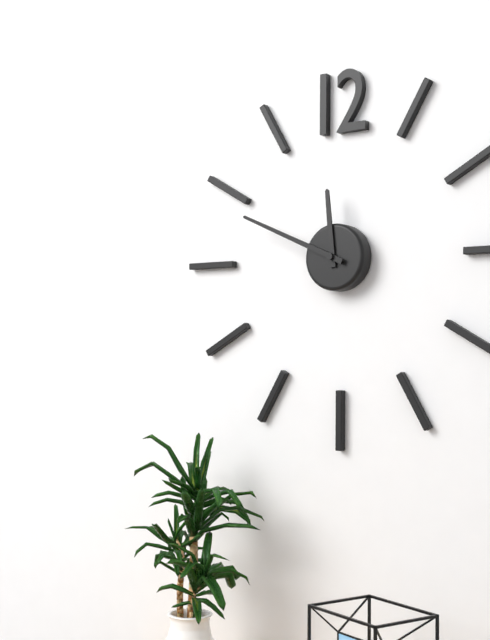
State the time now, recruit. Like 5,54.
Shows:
11,49
